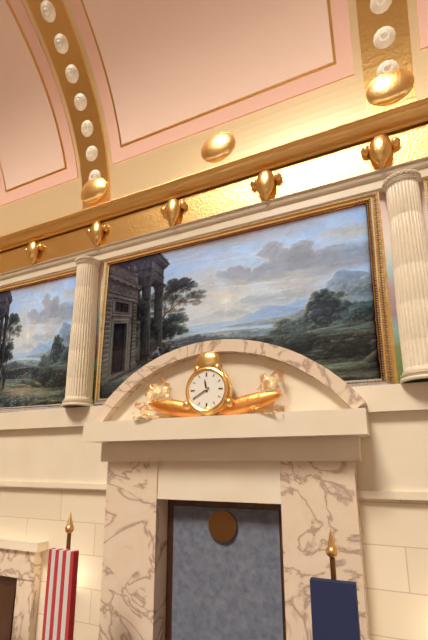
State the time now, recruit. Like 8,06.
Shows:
11,40
